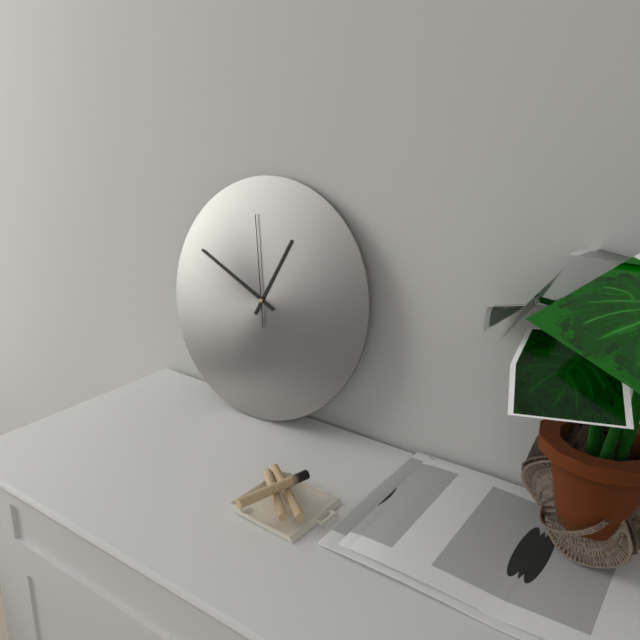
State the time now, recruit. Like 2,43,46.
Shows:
12,49,58
